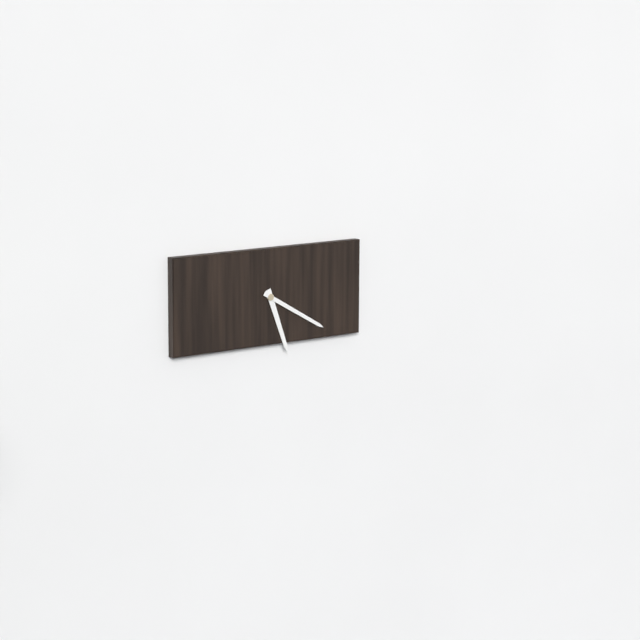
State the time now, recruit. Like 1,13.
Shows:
5,20
